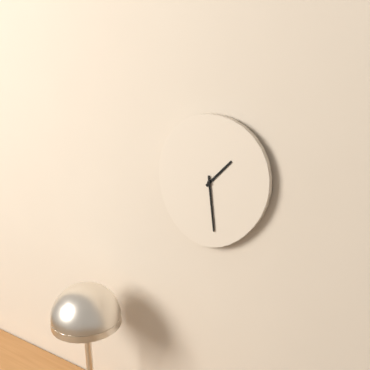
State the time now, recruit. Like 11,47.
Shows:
1,29
